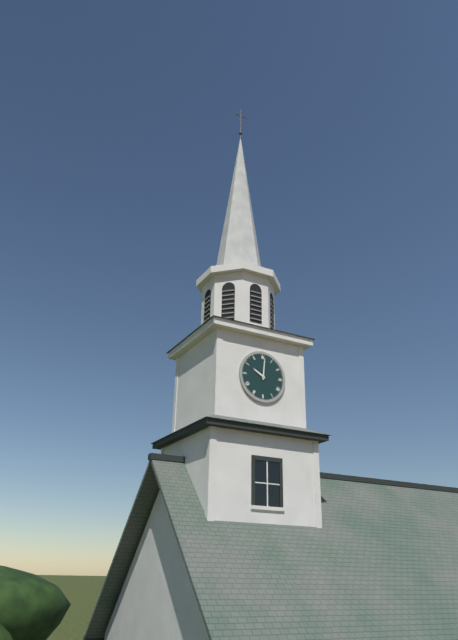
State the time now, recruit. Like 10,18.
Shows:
10,01
